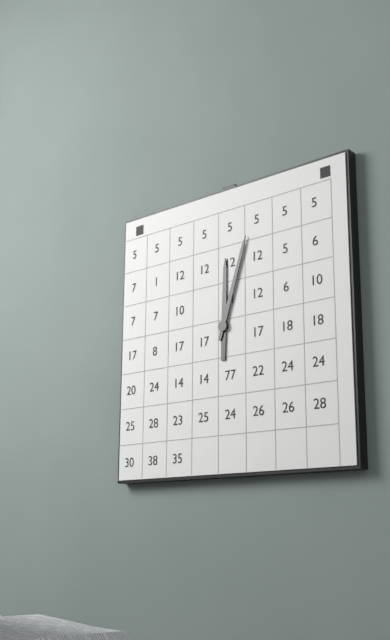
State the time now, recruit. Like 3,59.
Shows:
12,03
